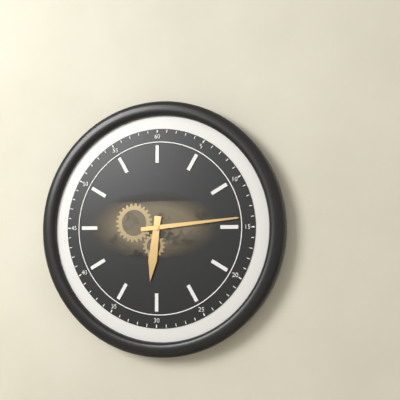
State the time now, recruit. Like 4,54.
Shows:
6,14
